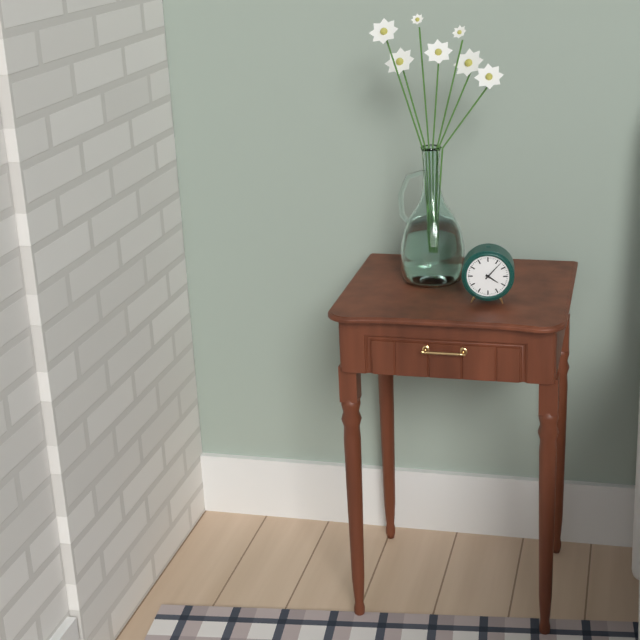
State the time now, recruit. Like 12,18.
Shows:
4,07
